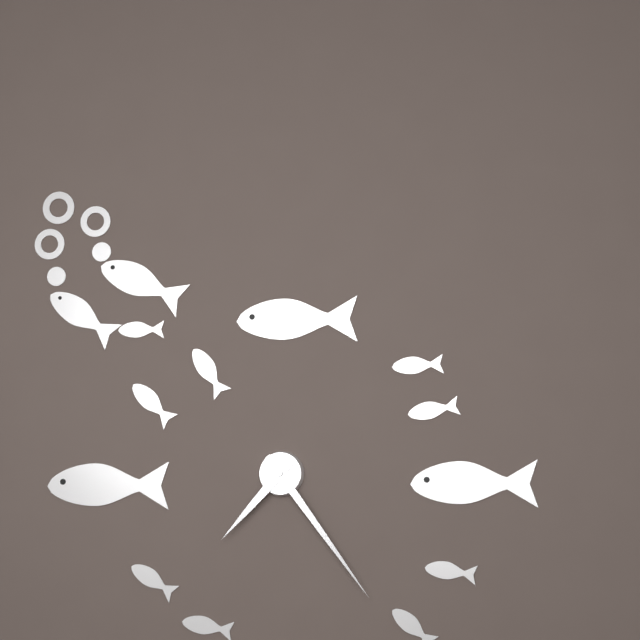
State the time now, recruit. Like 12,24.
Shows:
7,24
